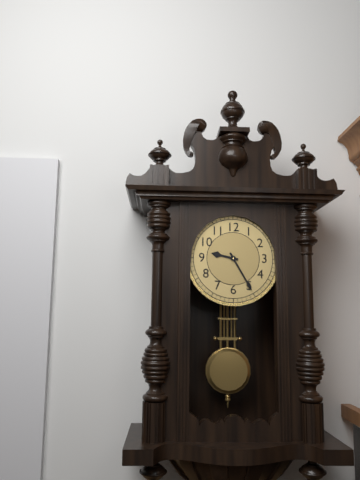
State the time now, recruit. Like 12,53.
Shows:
9,25
